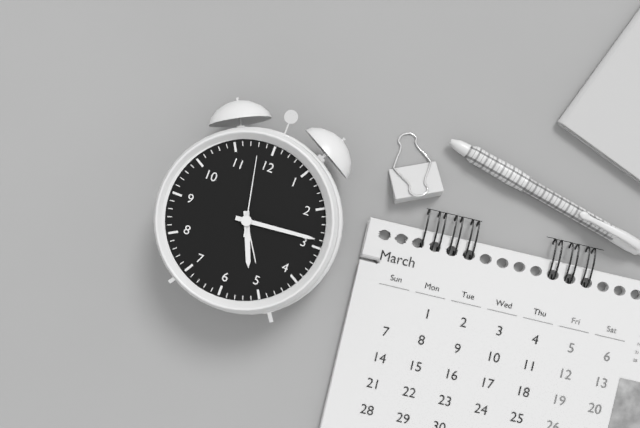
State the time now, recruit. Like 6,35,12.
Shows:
5,14,58
